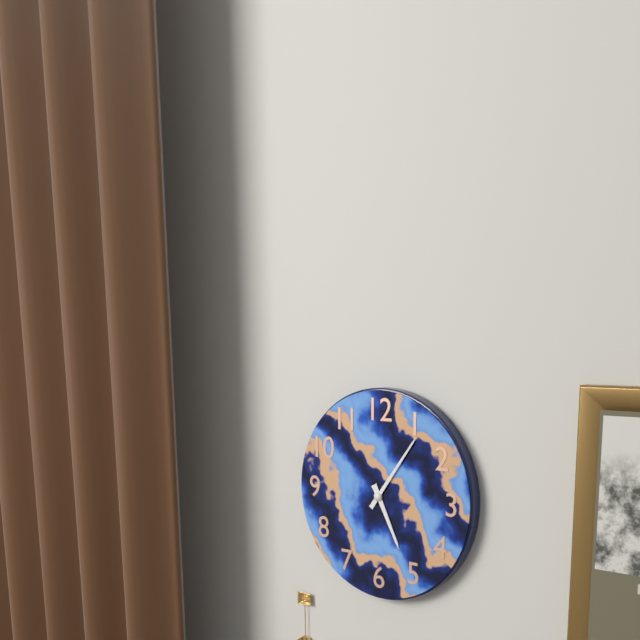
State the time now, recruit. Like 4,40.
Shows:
5,06
